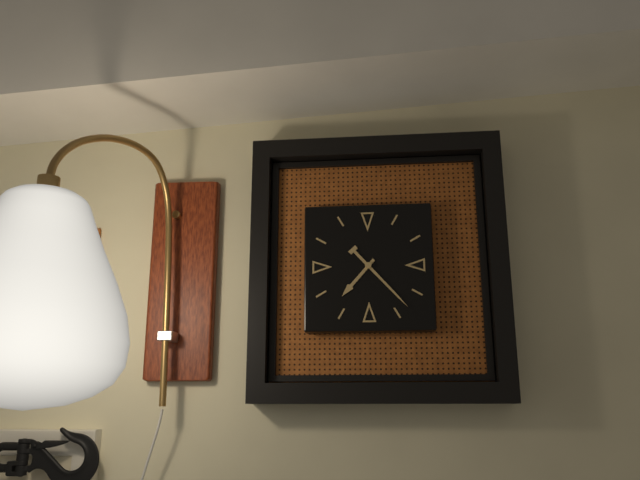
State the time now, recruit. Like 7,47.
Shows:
7,23
